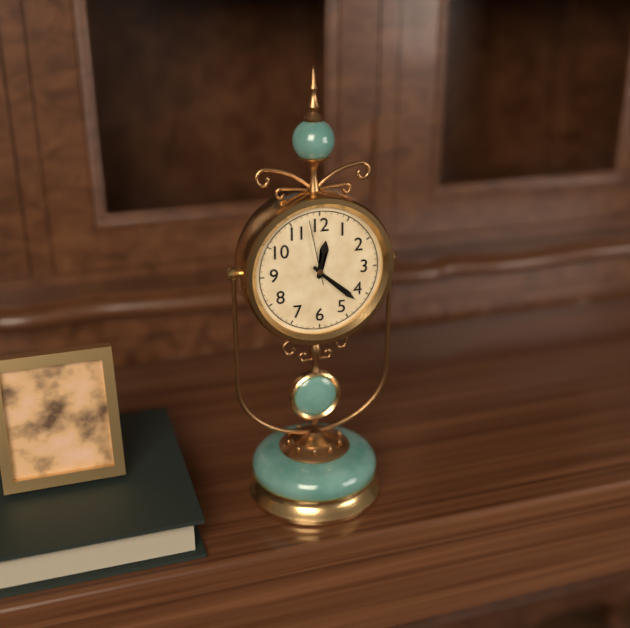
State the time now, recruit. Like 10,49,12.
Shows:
12,22,58
